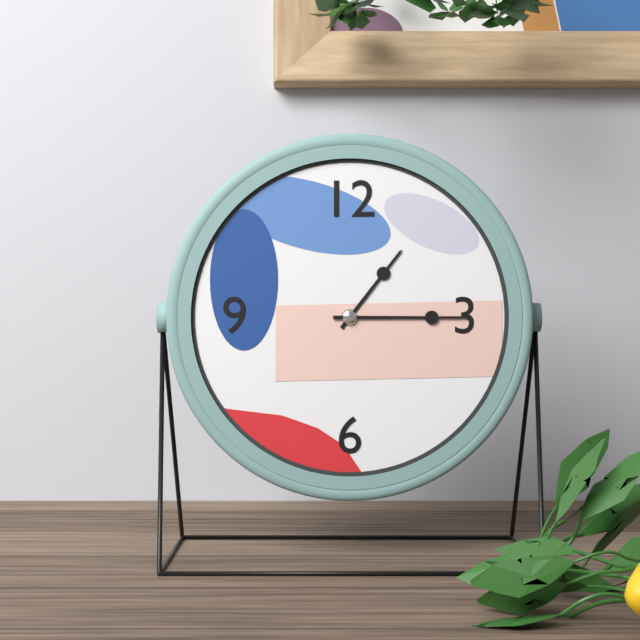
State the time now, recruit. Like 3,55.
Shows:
1,15
